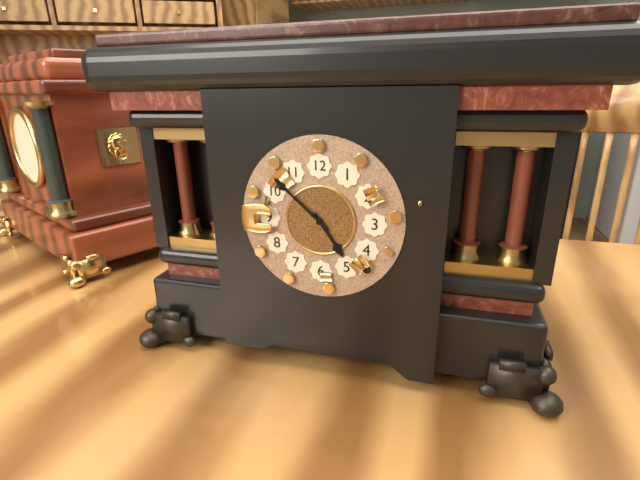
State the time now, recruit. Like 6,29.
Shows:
4,52
